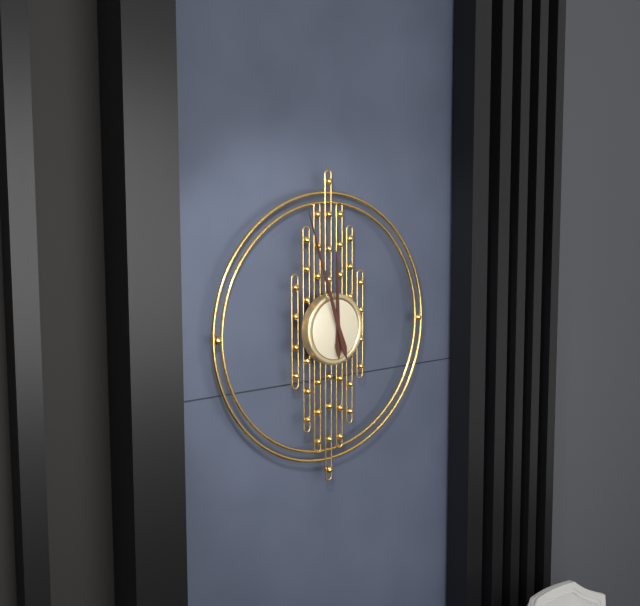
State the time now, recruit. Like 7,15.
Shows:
11,57
